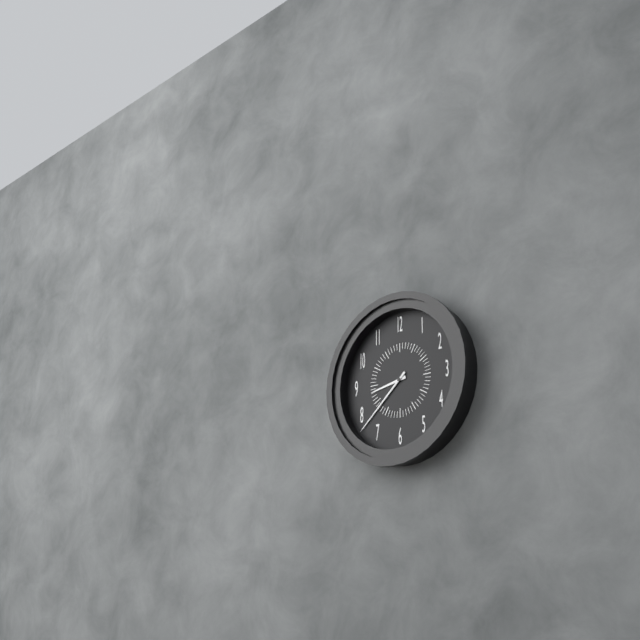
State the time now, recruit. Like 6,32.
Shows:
8,38
